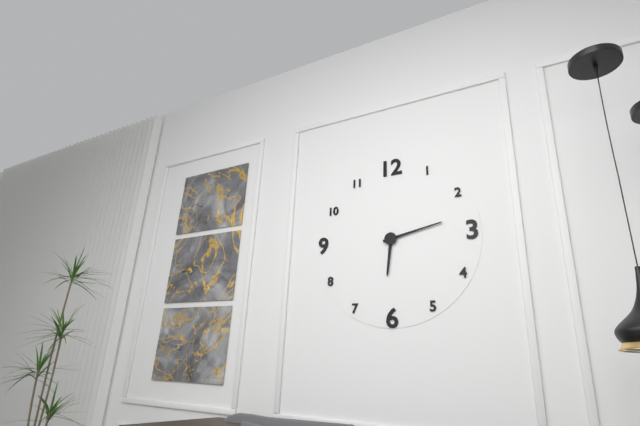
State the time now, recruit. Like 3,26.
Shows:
6,13
